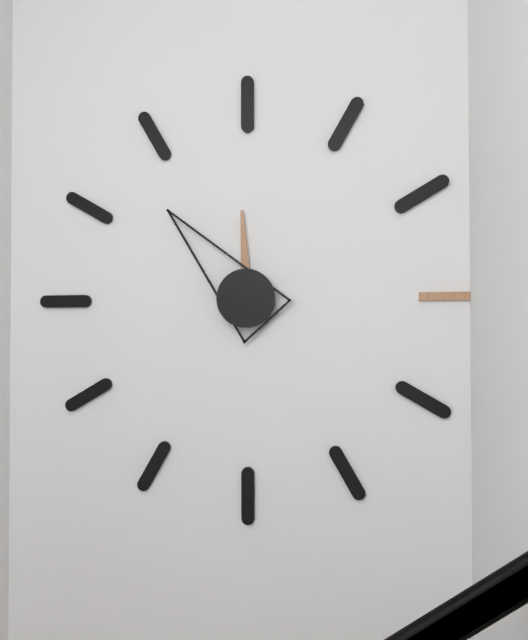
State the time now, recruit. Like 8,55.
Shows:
11,53
